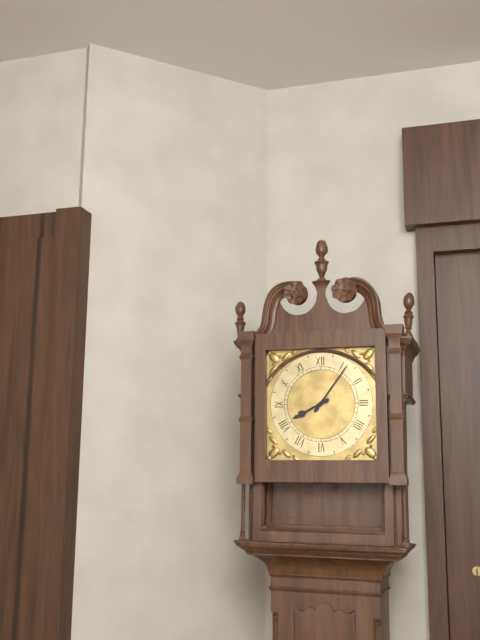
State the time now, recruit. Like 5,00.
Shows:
8,06
